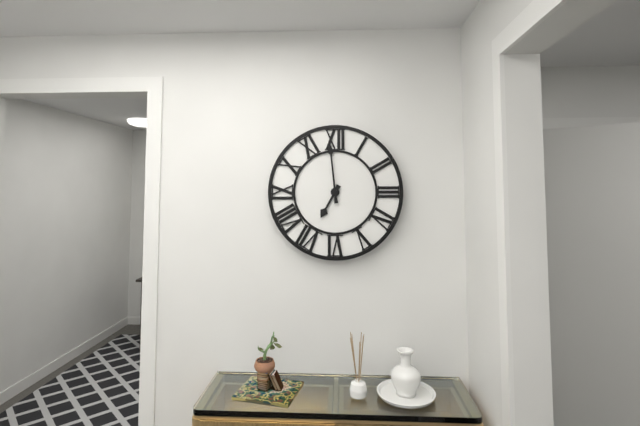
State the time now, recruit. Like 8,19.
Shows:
6,59
